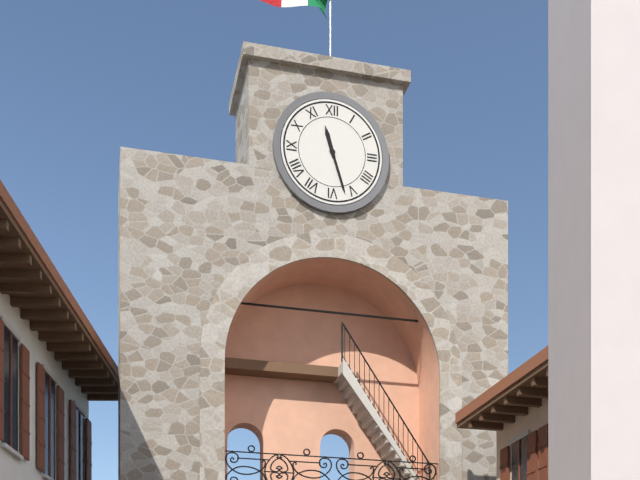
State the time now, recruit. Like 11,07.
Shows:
11,27
